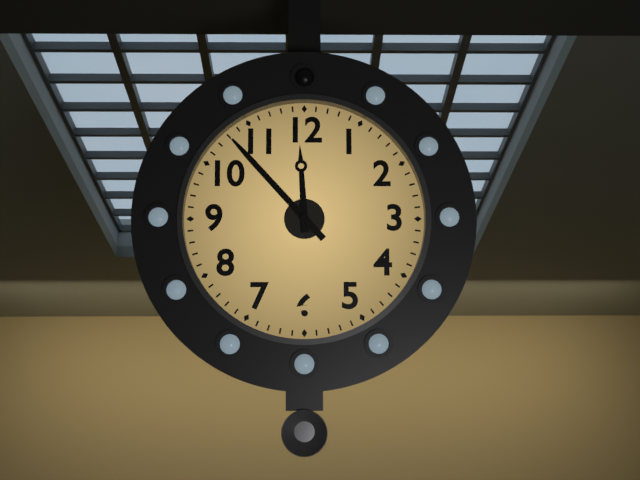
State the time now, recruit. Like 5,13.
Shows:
11,53
